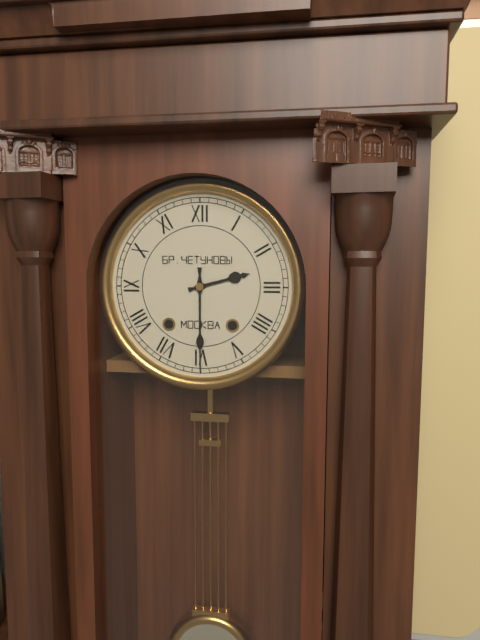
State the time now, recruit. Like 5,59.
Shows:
2,30
